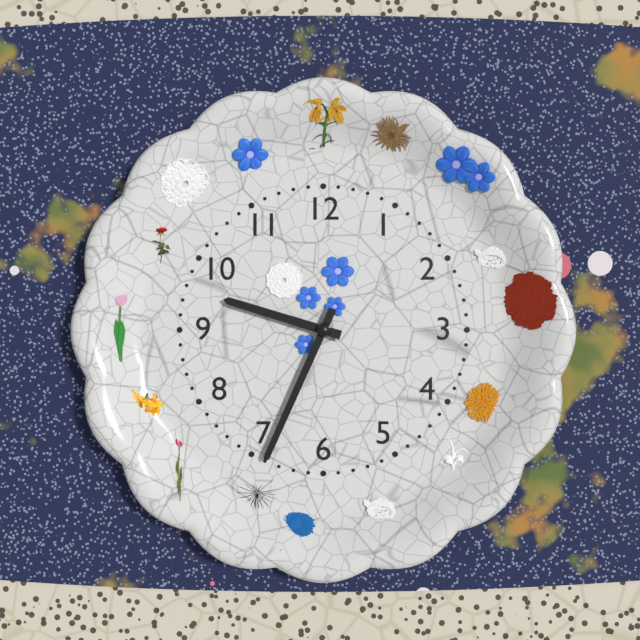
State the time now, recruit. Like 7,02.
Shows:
9,34
